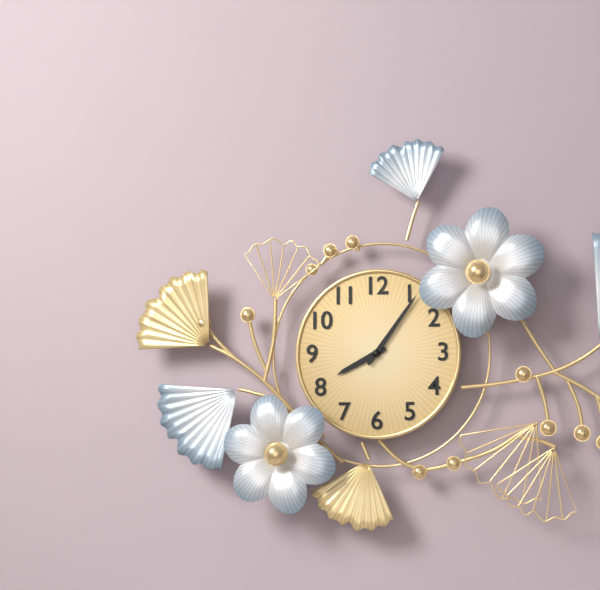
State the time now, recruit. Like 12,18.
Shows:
8,06
